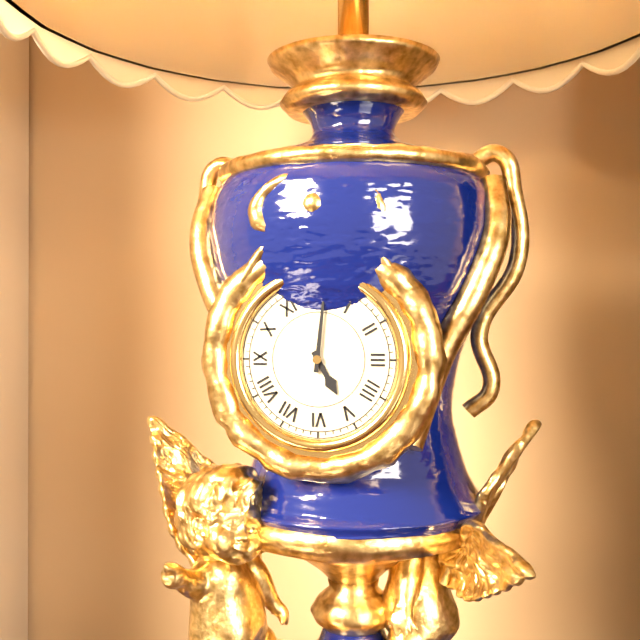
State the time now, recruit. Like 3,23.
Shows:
5,01
